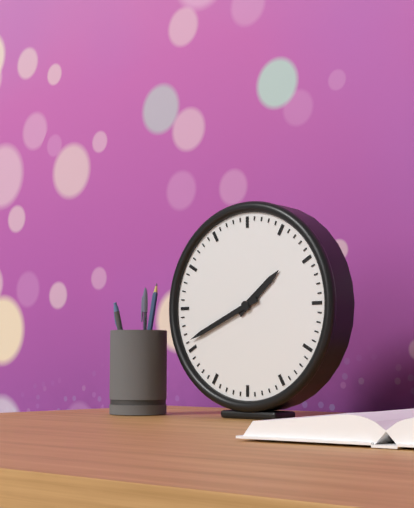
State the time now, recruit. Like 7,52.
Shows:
1,41
